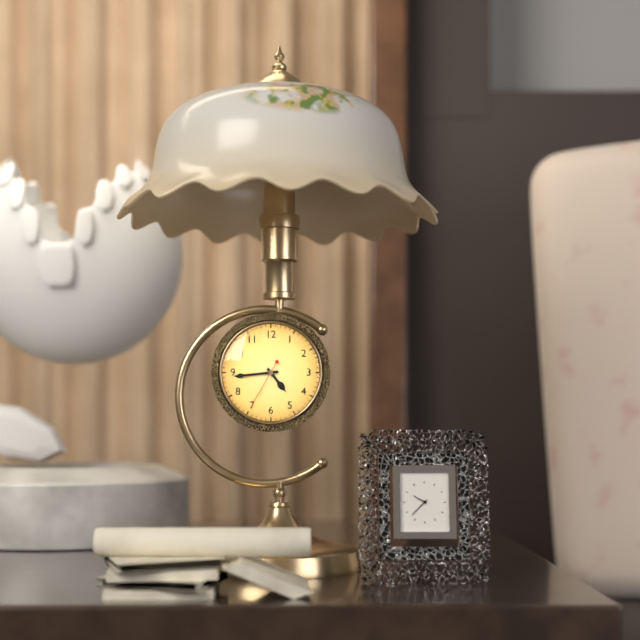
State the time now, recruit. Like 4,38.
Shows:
4,44
